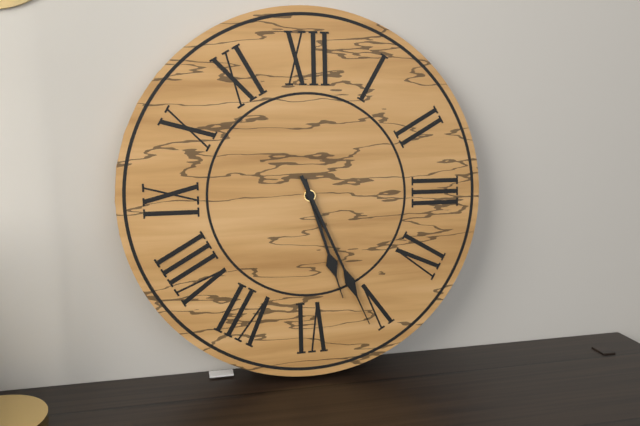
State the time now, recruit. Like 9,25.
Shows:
5,26
